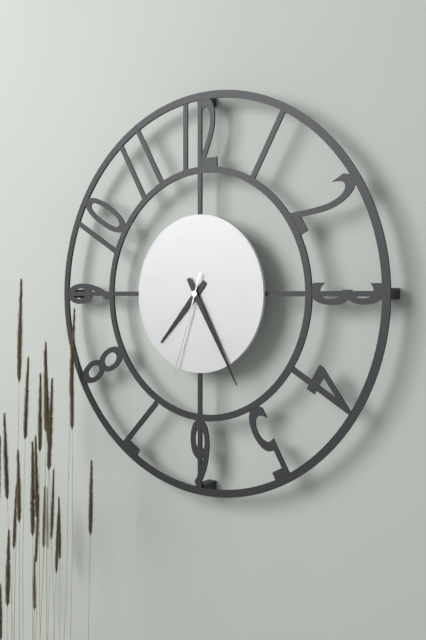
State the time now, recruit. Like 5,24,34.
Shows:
7,25,33
